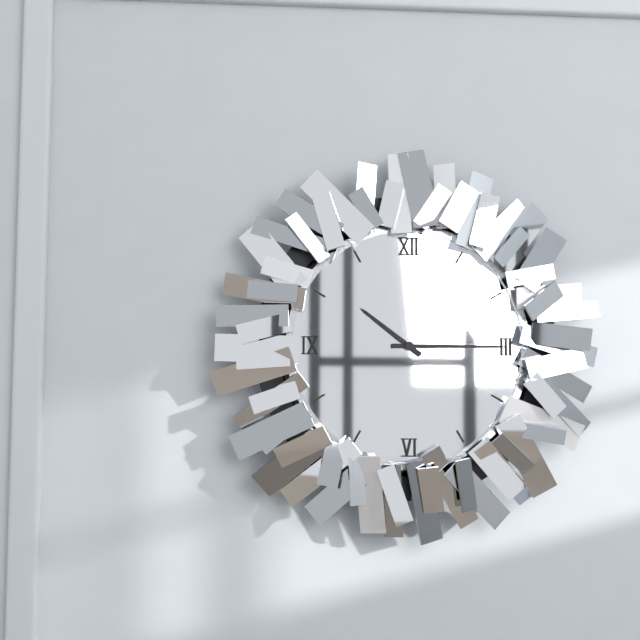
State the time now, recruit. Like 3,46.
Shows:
10,15
